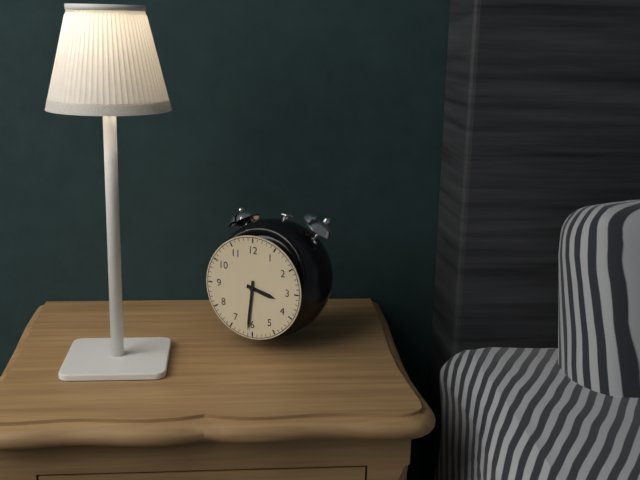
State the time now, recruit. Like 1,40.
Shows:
3,31
